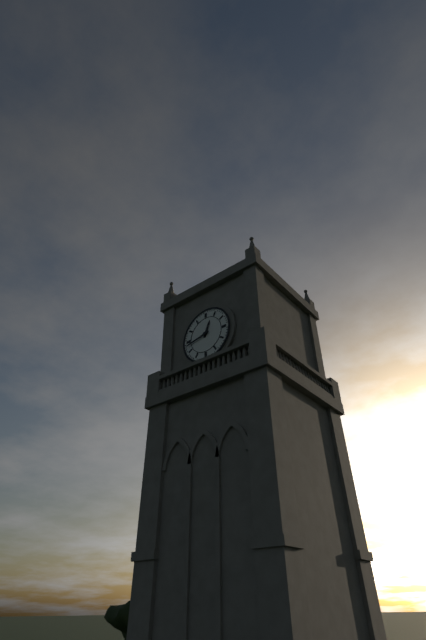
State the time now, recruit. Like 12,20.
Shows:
12,43
